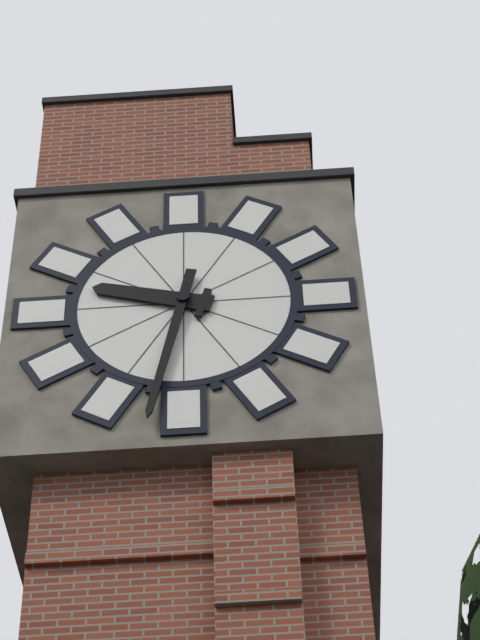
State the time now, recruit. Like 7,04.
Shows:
9,32
